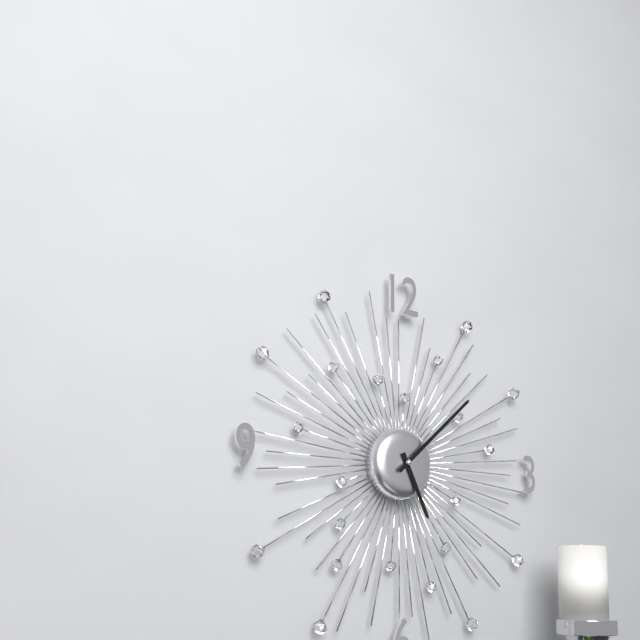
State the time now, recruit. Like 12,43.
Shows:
5,08
